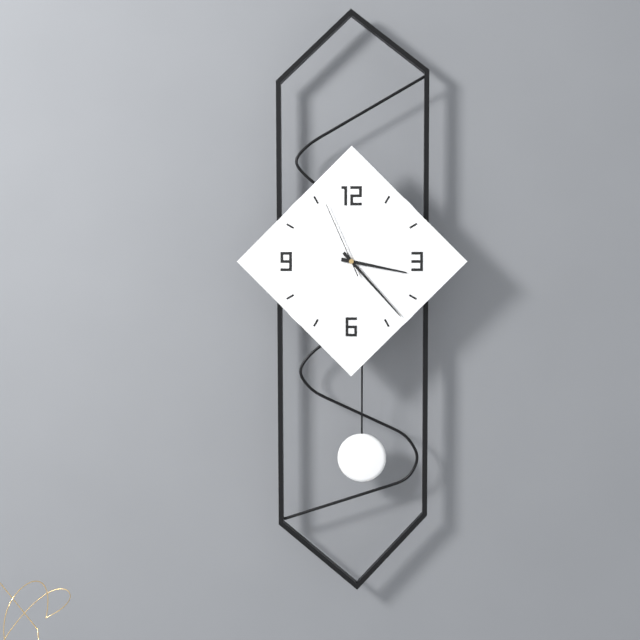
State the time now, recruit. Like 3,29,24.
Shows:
3,23,56
